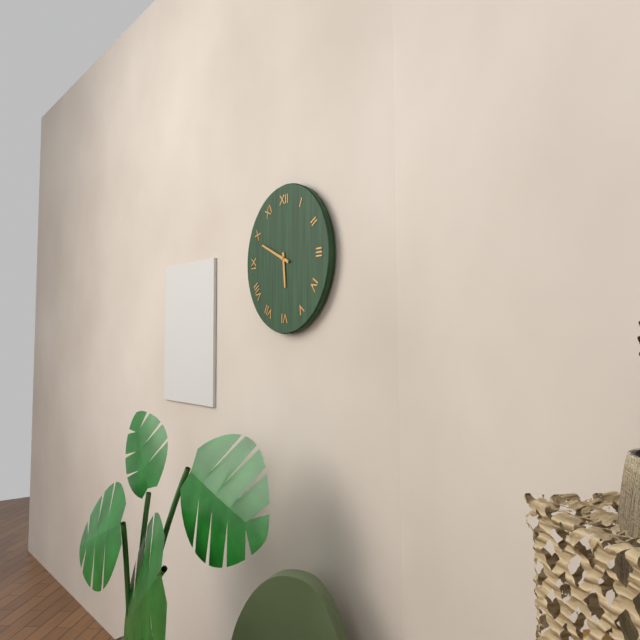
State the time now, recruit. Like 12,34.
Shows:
5,49
